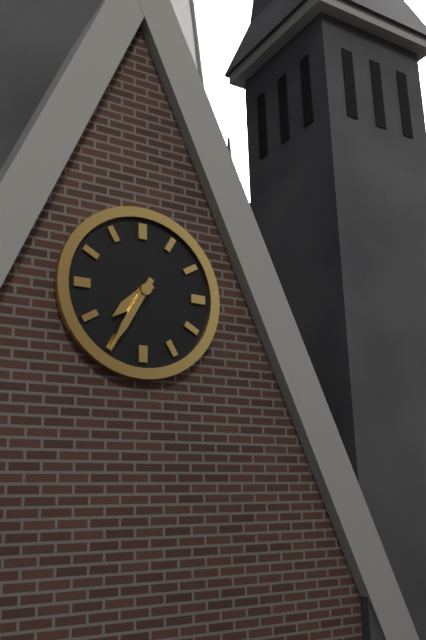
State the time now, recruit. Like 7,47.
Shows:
7,35
